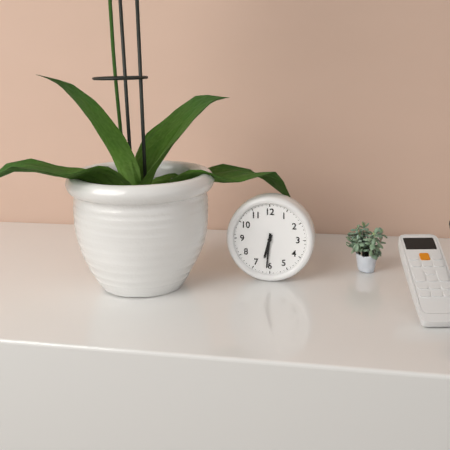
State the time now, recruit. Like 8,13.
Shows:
6,31
